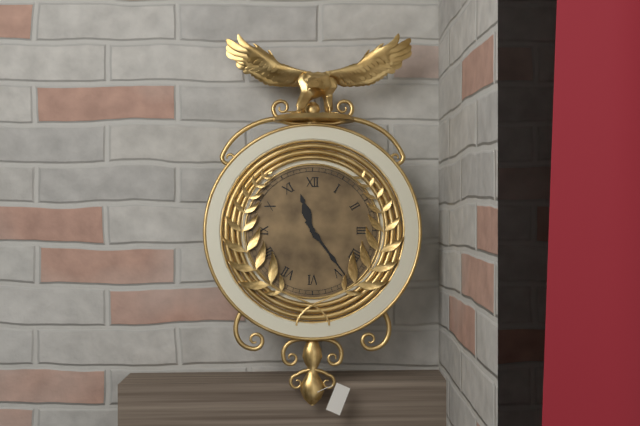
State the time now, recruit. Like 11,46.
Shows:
11,24
